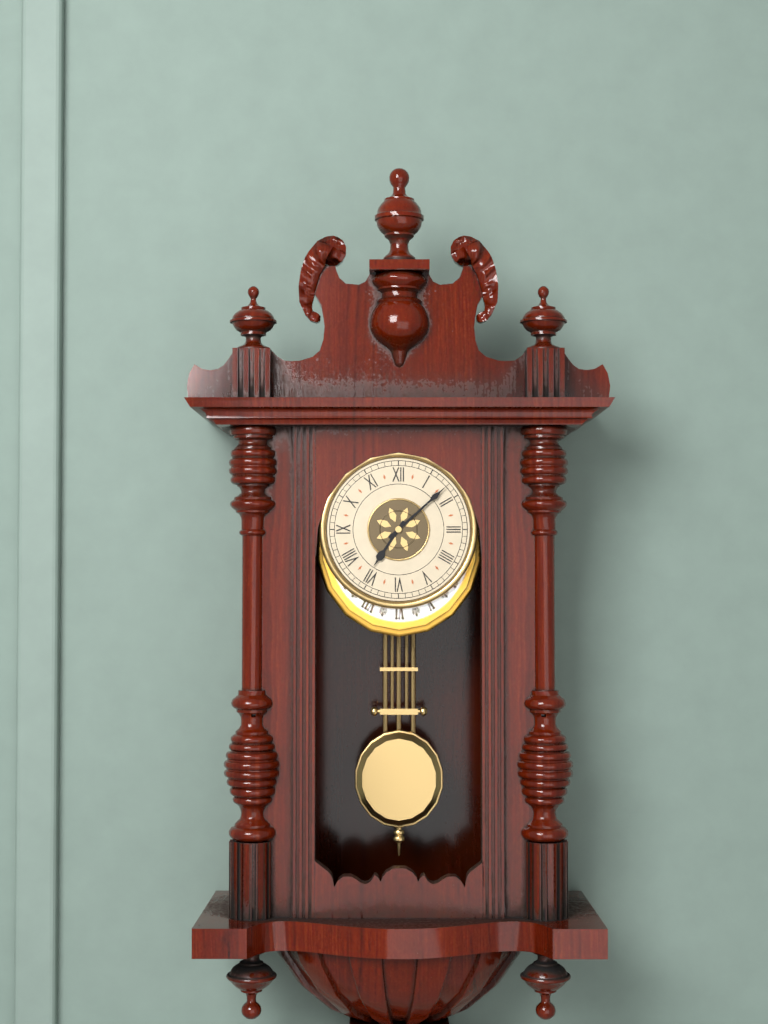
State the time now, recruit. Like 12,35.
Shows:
7,08
